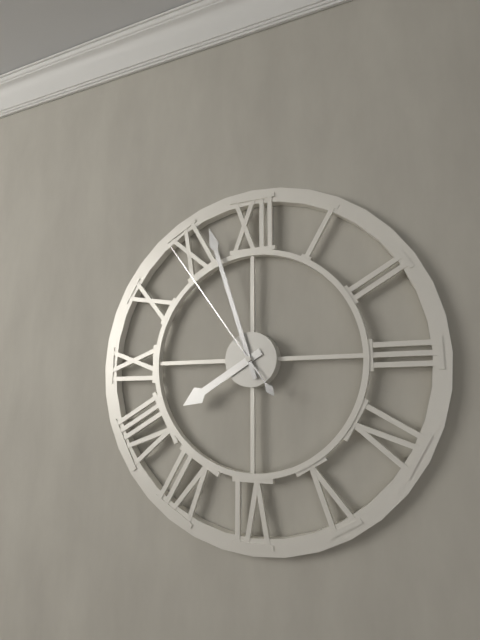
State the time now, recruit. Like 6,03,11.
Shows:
7,57,54
